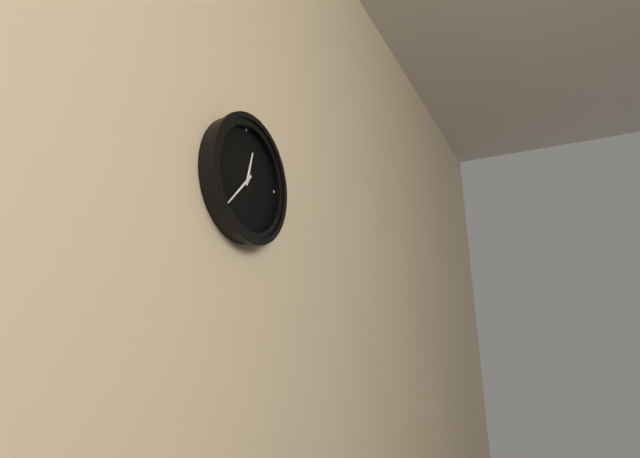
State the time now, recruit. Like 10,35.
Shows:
12,38
